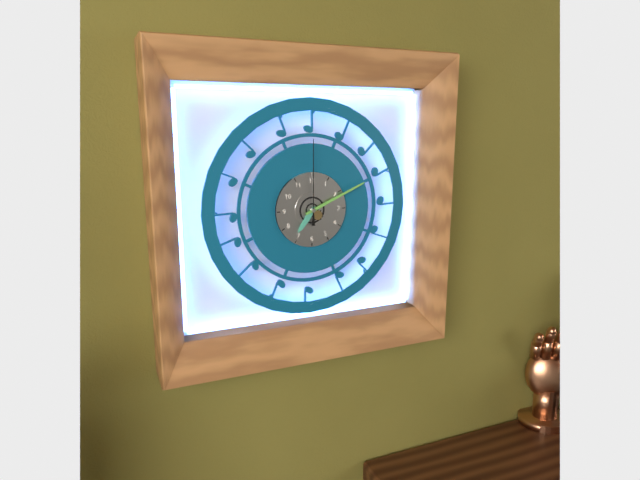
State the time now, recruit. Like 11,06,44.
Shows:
7,11,00
